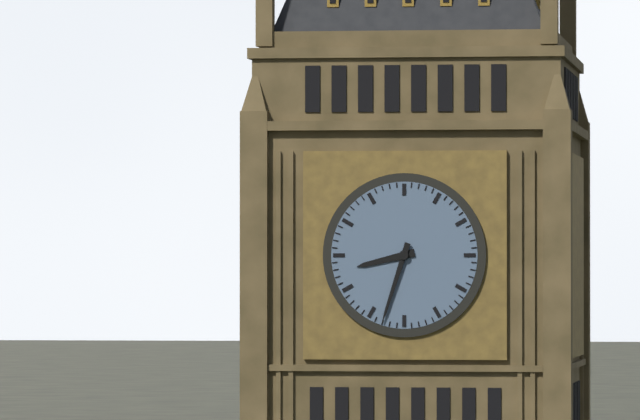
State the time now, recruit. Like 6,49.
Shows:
8,33
